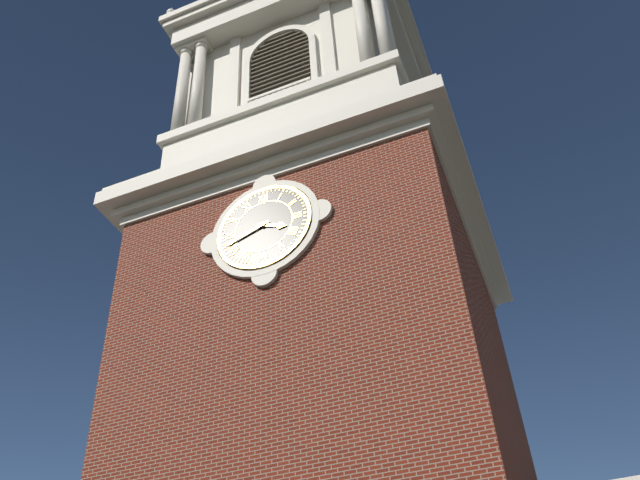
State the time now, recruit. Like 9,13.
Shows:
3,42
